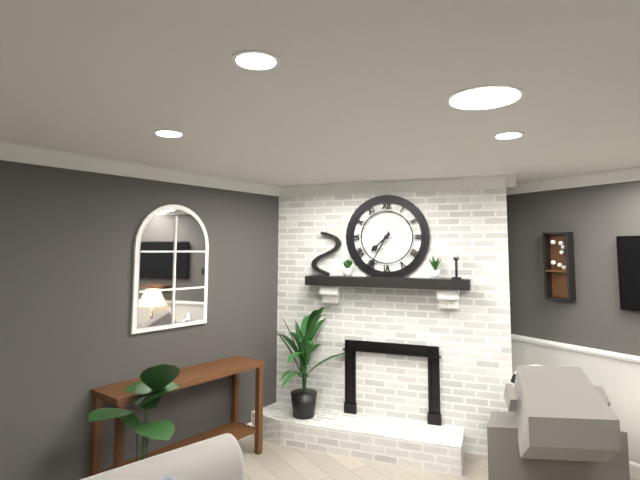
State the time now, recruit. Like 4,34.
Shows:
7,35
